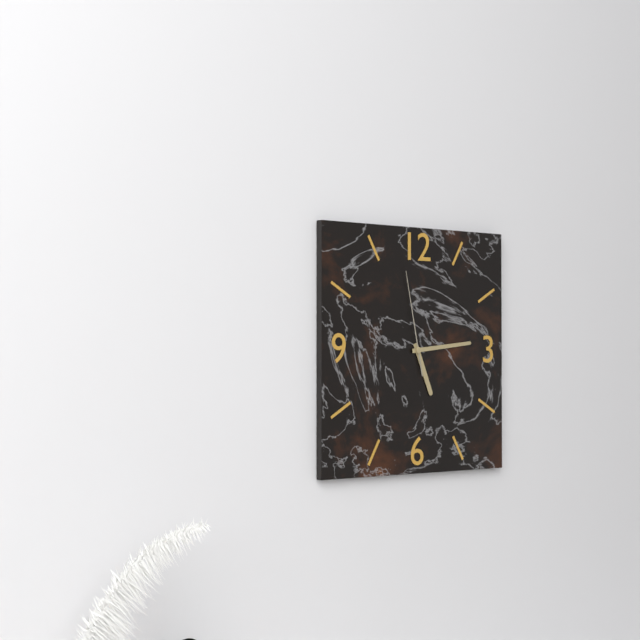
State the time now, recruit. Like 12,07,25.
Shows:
5,14,58
